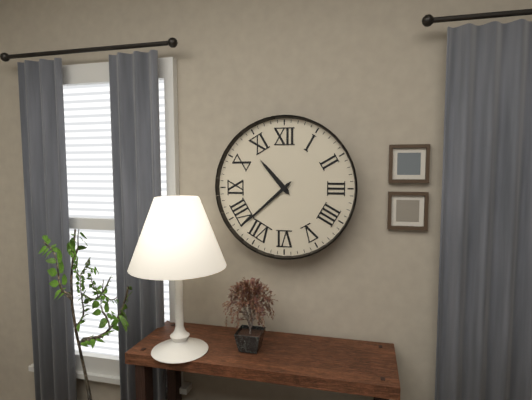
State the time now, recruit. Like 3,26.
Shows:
10,38
